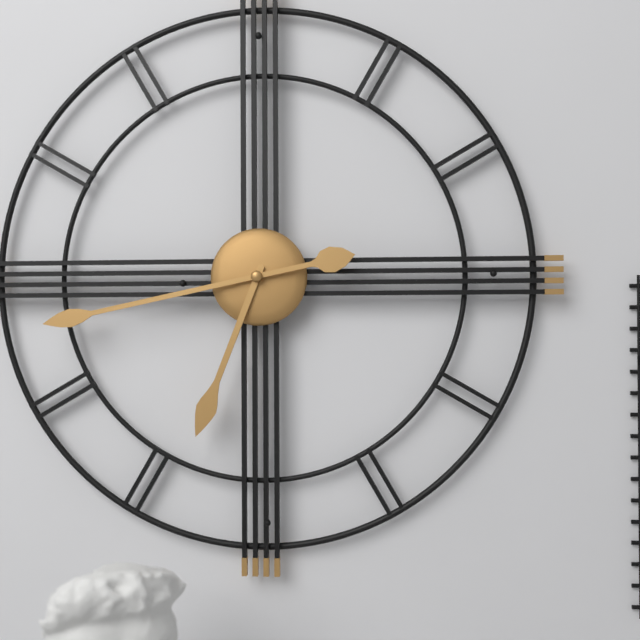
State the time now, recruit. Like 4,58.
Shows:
6,43
